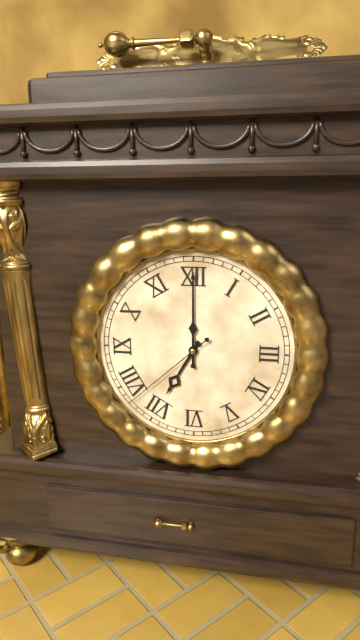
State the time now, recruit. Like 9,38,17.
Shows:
7,00,38
